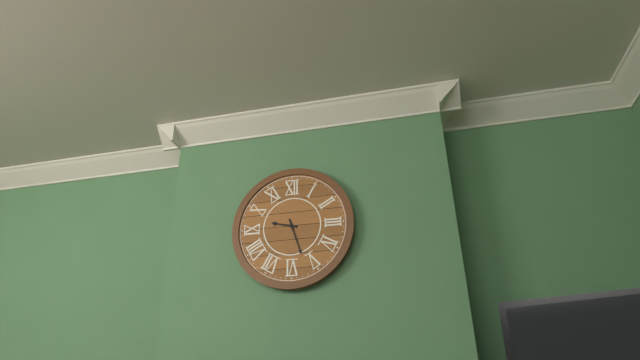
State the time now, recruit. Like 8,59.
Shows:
9,27
